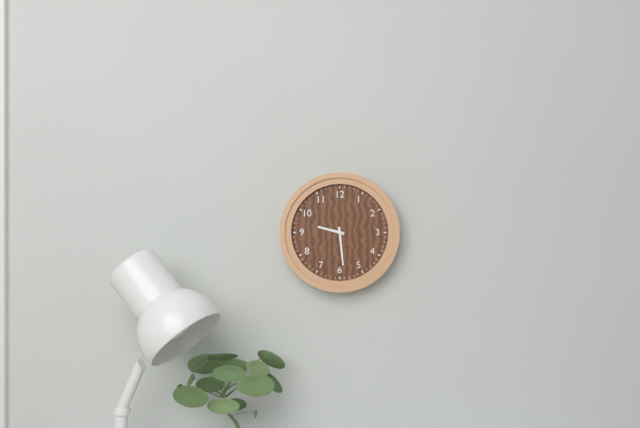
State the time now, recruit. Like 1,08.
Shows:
9,29
